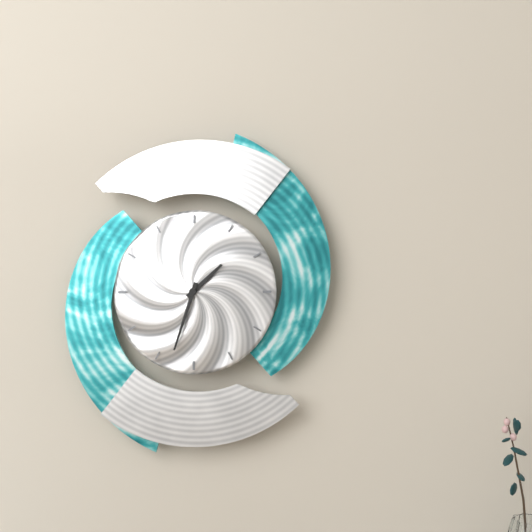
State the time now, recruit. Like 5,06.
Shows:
1,33
